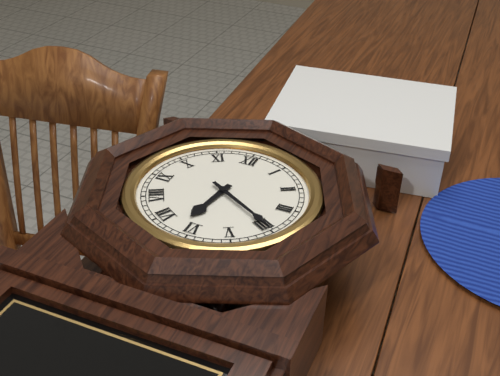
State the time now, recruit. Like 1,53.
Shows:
6,20
